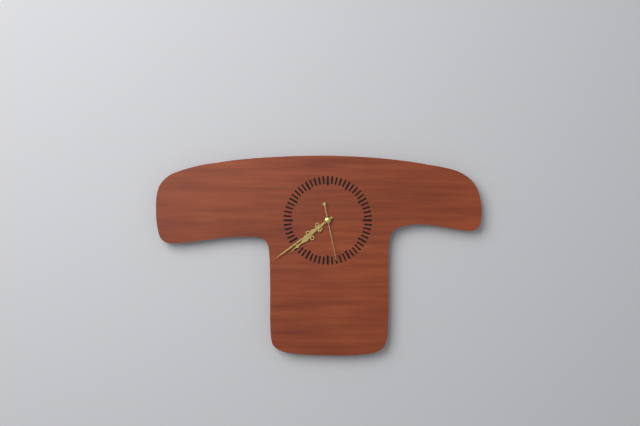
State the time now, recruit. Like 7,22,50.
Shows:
7,39,28
